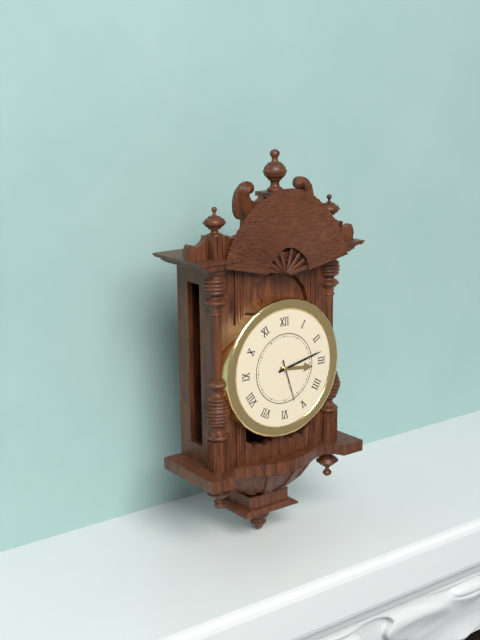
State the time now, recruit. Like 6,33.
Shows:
3,13
